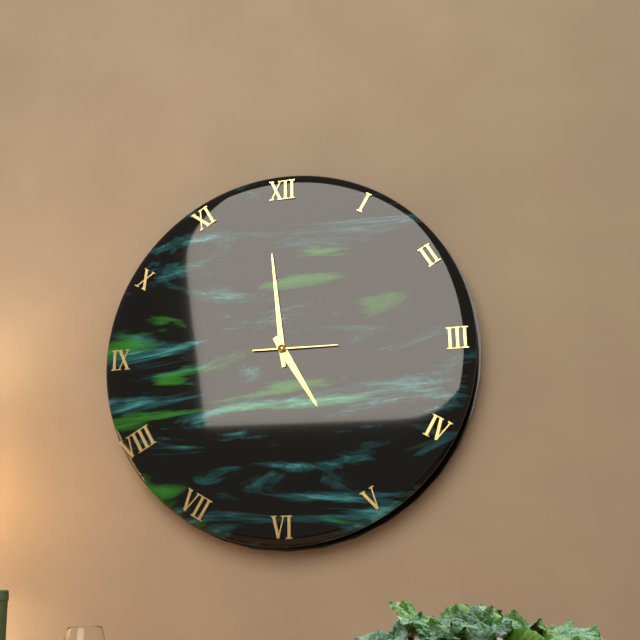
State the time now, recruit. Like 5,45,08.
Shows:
4,59,15
